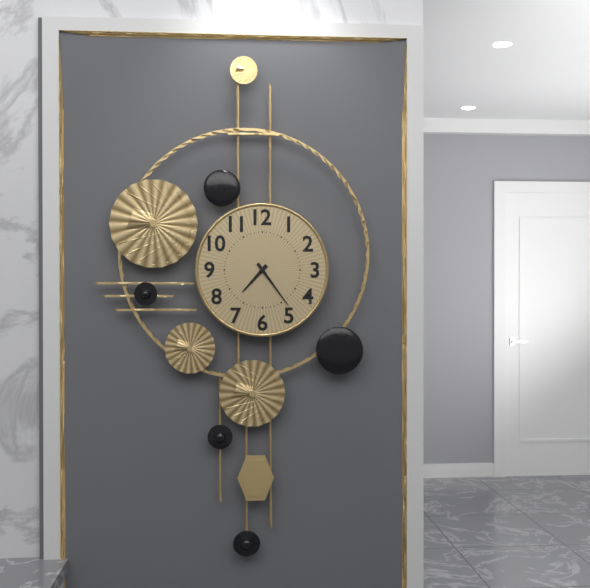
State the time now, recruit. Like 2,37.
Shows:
7,24
